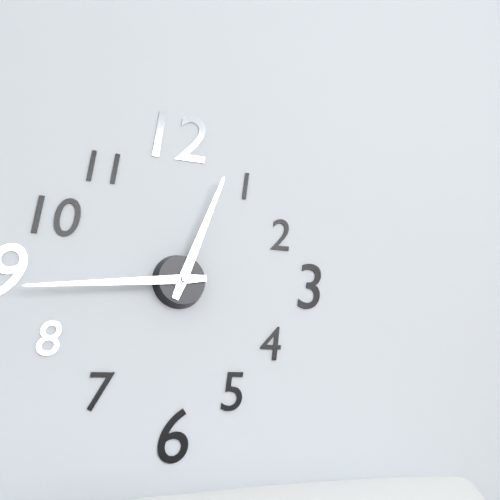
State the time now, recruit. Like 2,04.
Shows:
12,44
